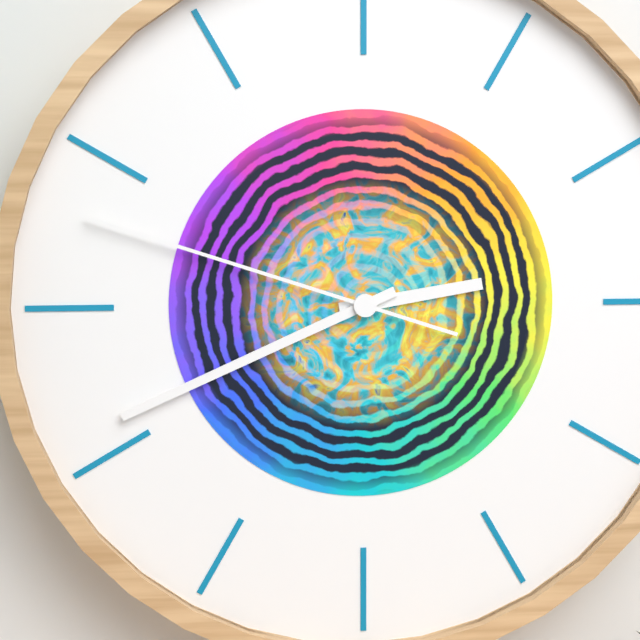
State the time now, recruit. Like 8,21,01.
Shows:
2,41,48
